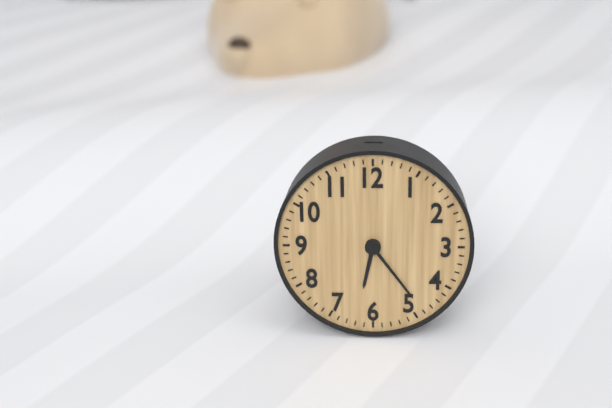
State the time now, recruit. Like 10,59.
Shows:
6,24
